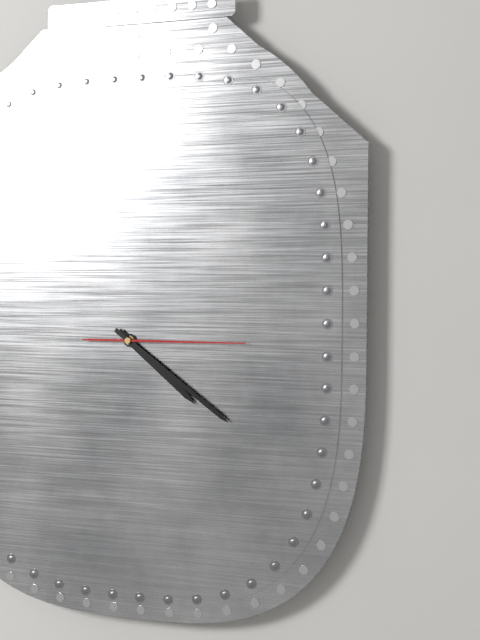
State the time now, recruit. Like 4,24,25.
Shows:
4,21,15
